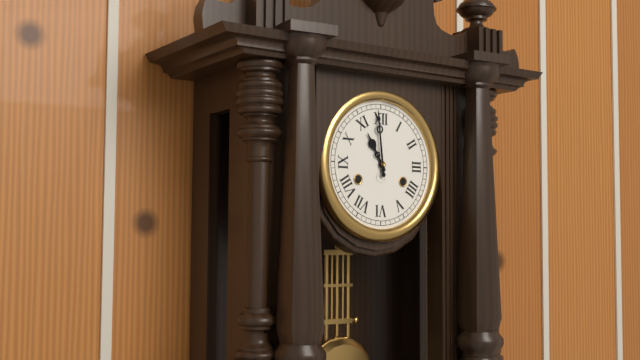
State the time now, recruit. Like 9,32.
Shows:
10,59
